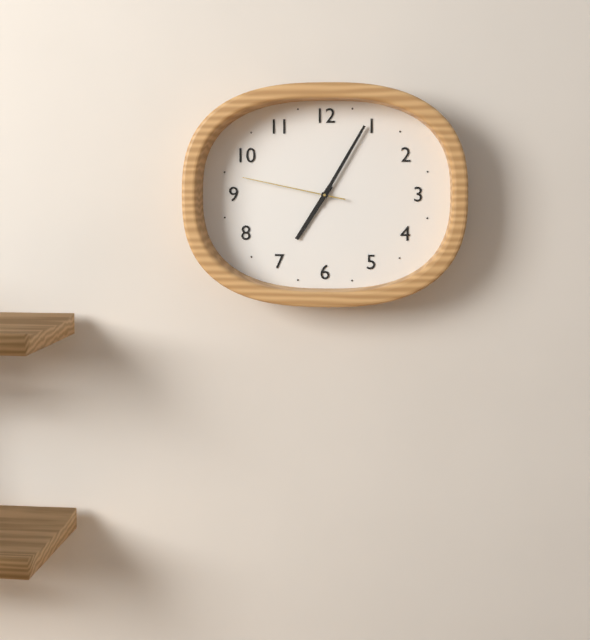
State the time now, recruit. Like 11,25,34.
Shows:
7,05,47
